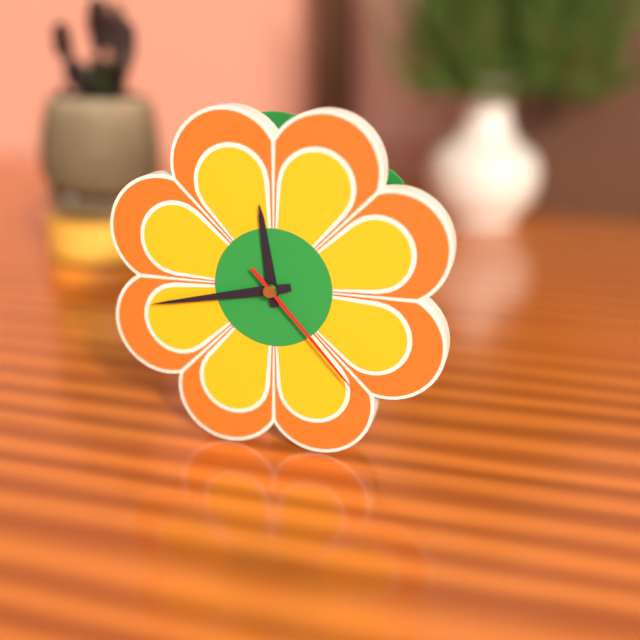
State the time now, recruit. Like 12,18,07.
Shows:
11,43,23
